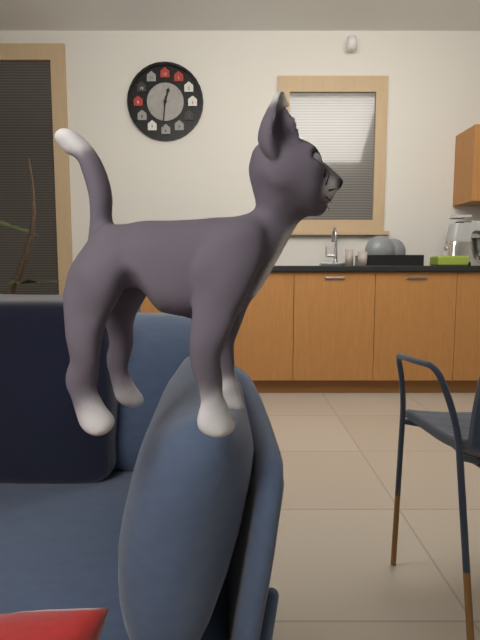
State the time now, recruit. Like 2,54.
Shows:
12,31
